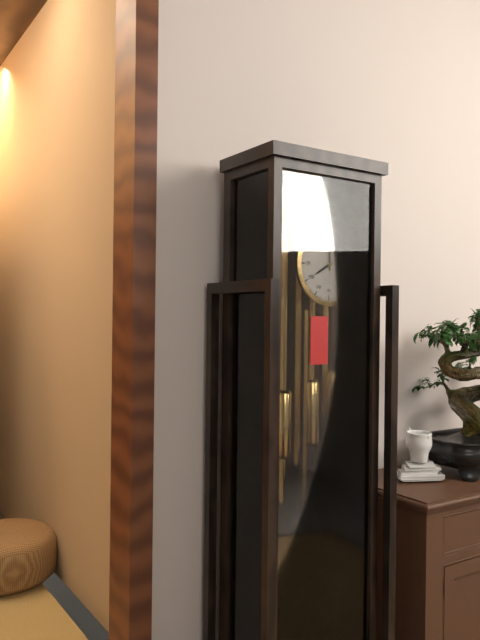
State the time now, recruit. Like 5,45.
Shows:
8,00
